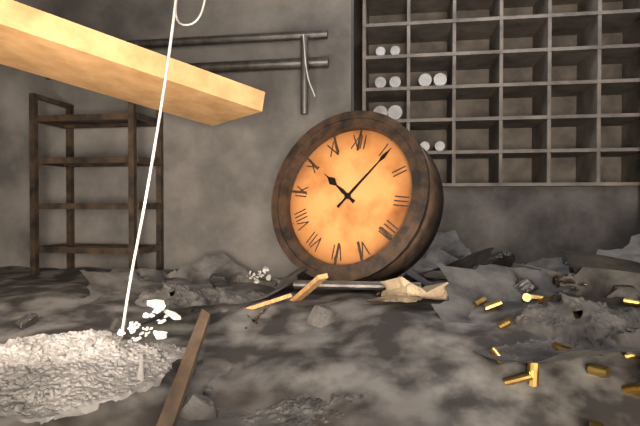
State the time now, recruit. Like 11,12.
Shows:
10,06
